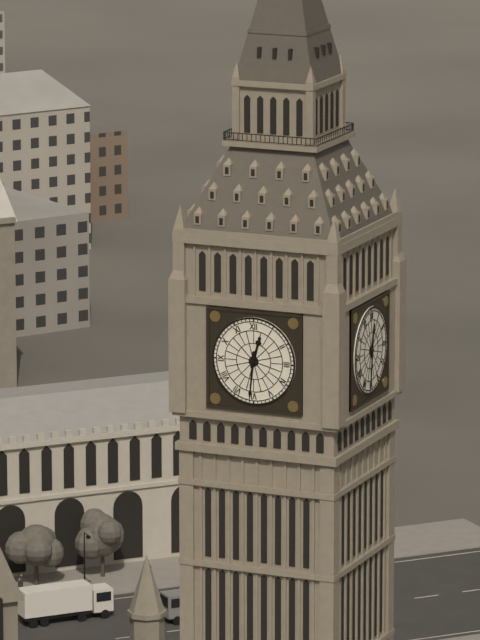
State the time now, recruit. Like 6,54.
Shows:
12,31
